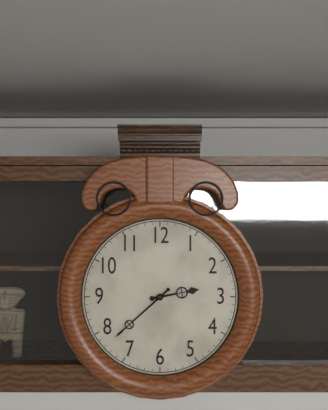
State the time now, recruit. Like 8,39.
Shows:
2,38
